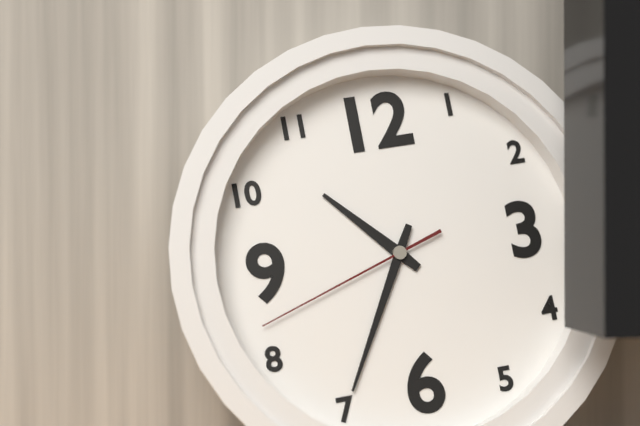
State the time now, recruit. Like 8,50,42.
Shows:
10,35,42
